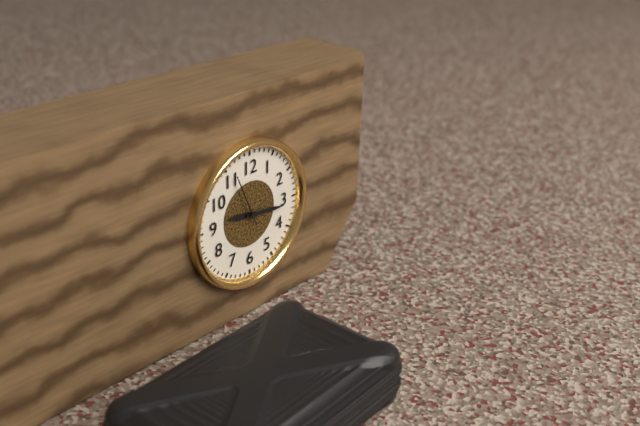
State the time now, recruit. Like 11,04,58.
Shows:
9,16,56
